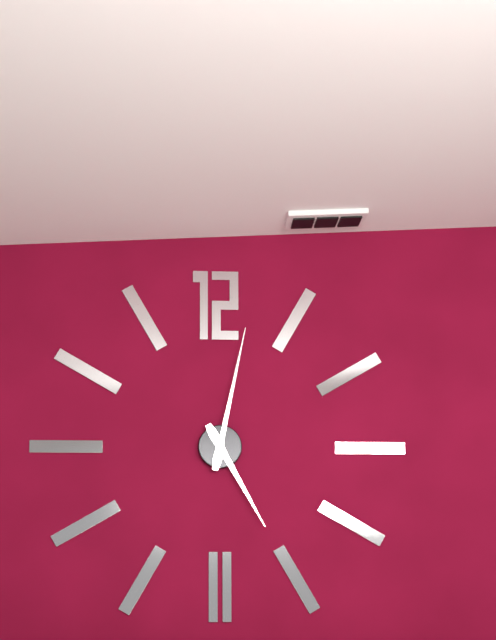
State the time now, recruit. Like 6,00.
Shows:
5,02
